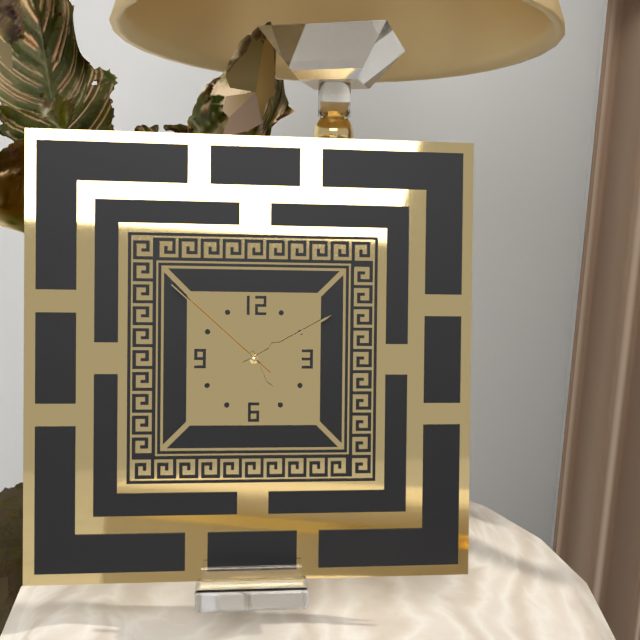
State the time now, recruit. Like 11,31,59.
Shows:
5,10,52
